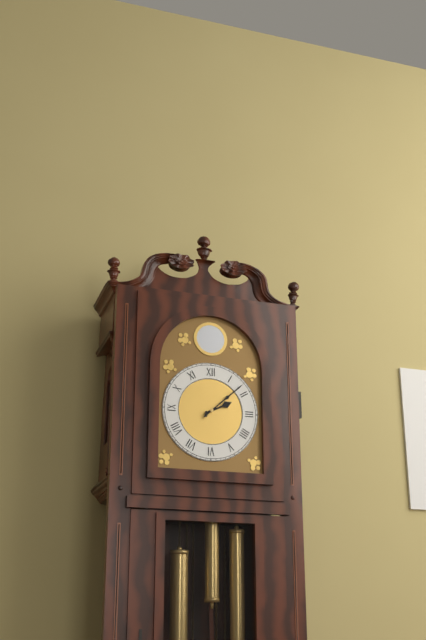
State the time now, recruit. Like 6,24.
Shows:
2,08
